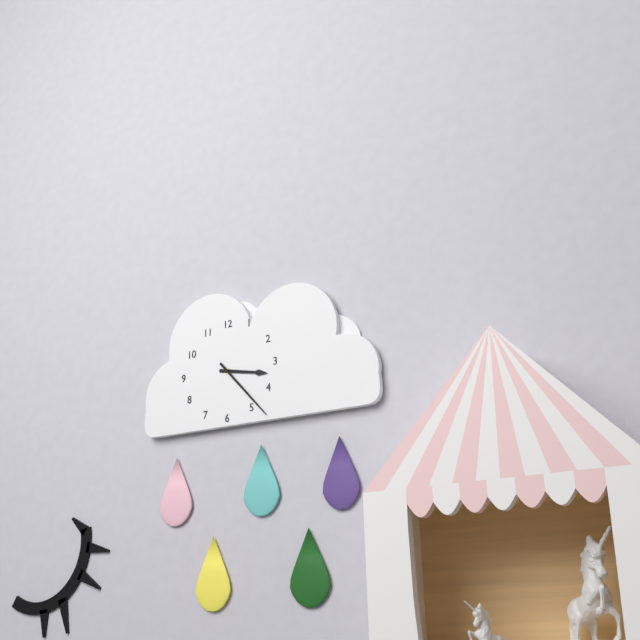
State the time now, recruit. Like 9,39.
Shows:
3,23
